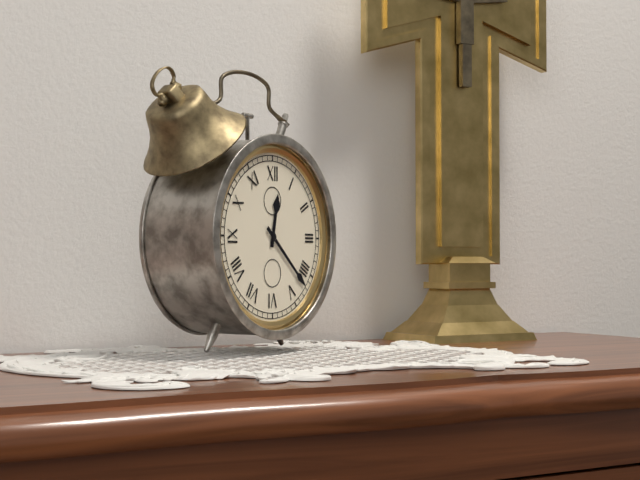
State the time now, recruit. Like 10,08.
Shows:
12,22
